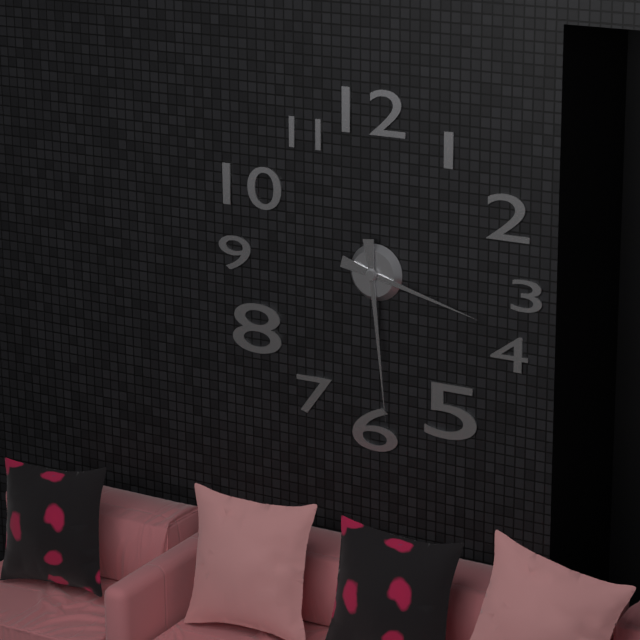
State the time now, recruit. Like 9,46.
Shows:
3,29
